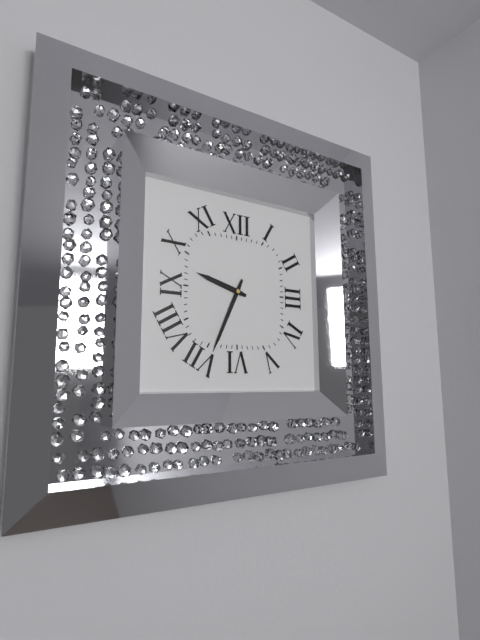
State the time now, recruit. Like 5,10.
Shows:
9,34
